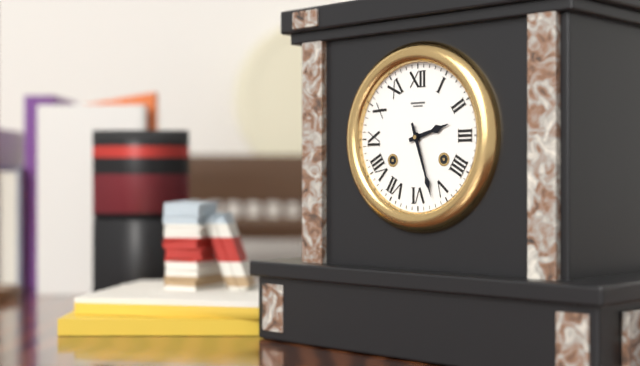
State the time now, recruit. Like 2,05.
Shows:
2,27
